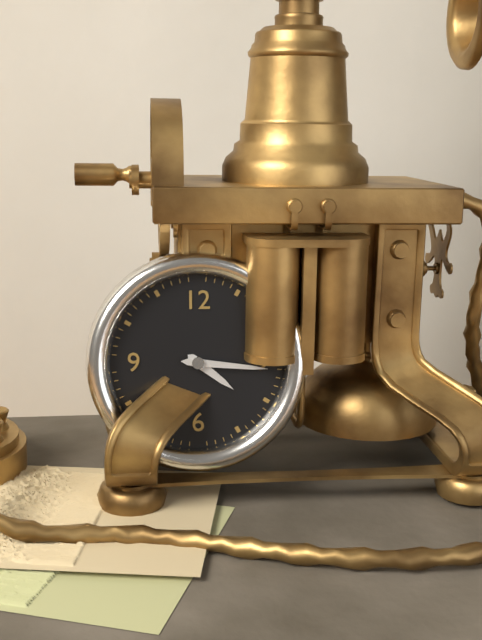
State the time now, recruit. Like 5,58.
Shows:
4,16
